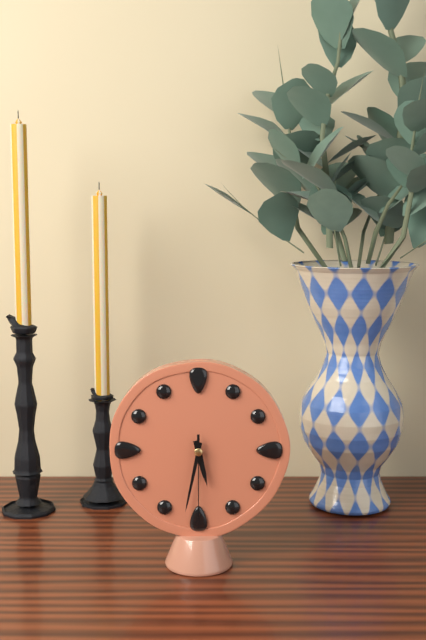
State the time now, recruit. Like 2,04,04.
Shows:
5,32,30
